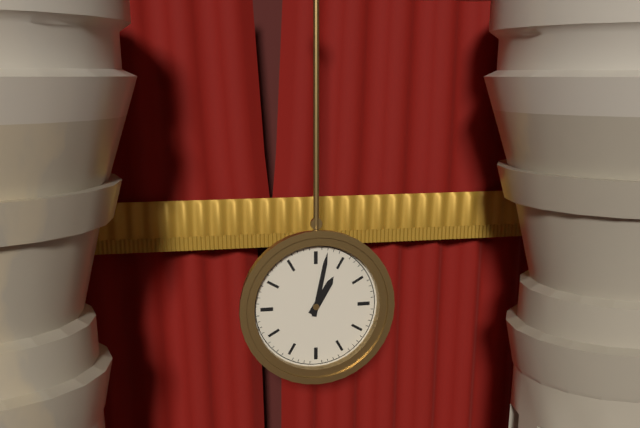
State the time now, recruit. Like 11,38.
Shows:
1,02
